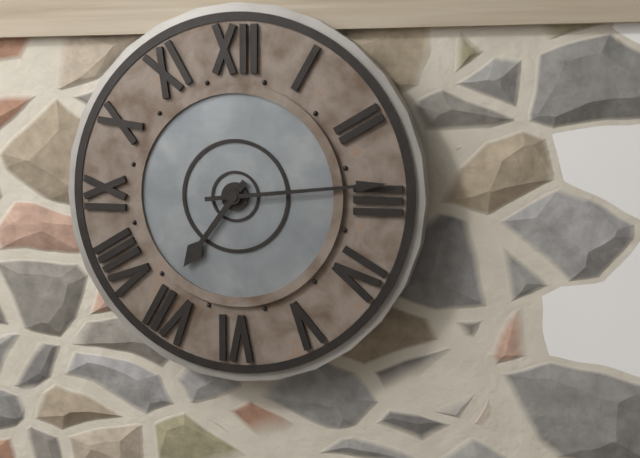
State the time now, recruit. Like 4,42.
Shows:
7,14
